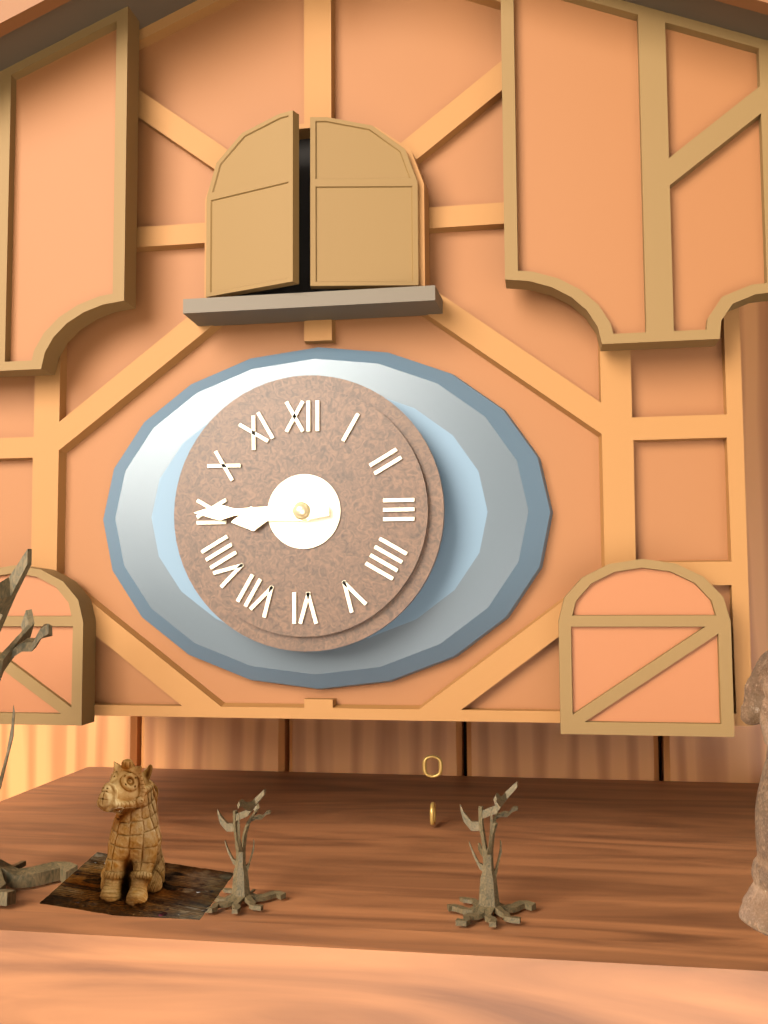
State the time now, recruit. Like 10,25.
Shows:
8,45
